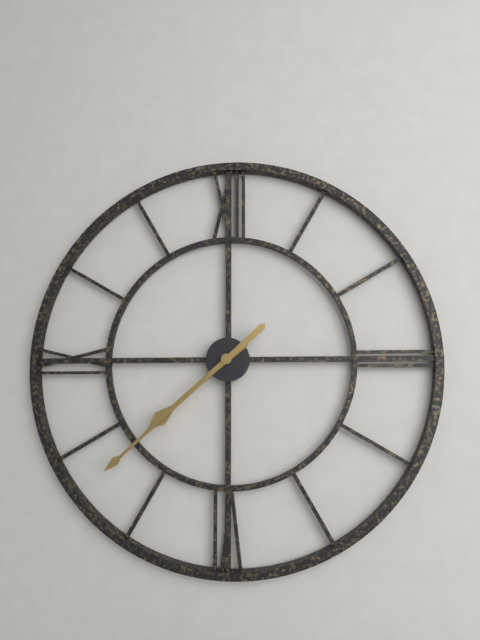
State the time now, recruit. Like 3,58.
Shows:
7,38
